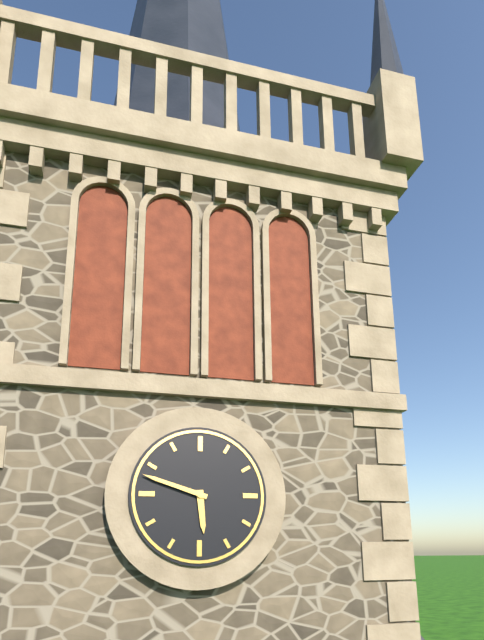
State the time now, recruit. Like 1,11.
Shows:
5,48
